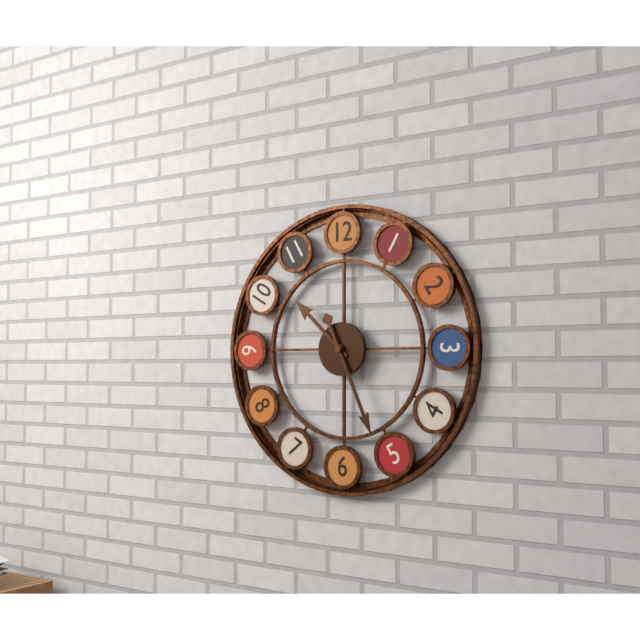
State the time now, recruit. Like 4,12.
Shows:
10,26
